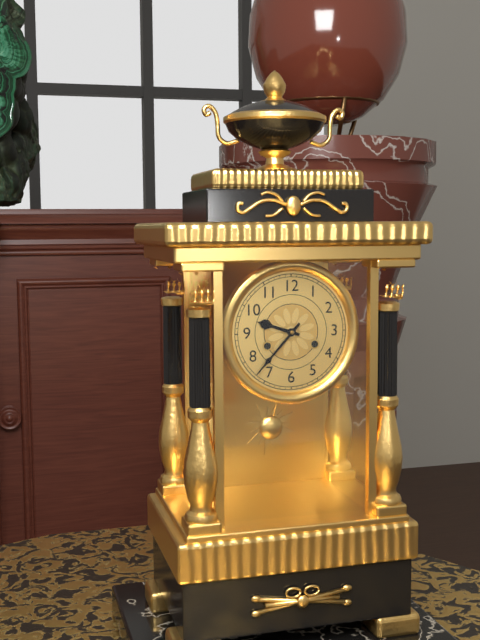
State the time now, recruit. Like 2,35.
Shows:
9,37
